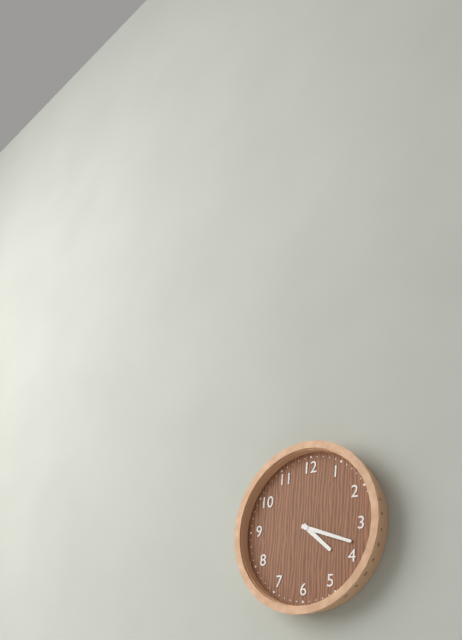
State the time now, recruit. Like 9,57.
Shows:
4,18
